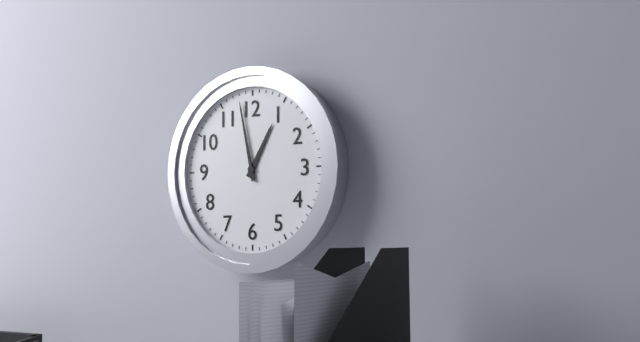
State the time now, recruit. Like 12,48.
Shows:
12,58
